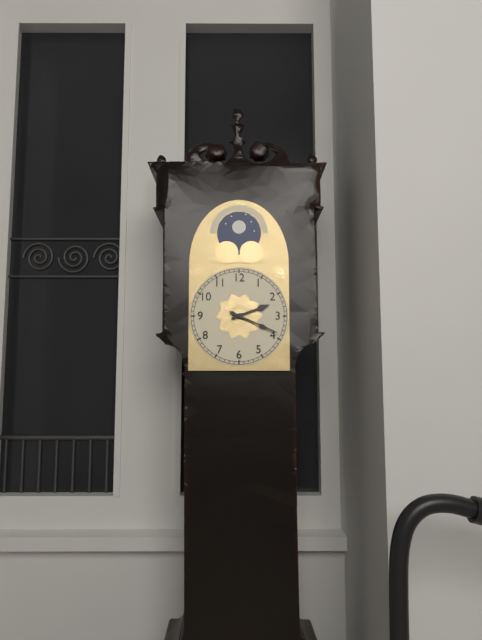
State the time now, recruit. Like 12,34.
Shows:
2,19
